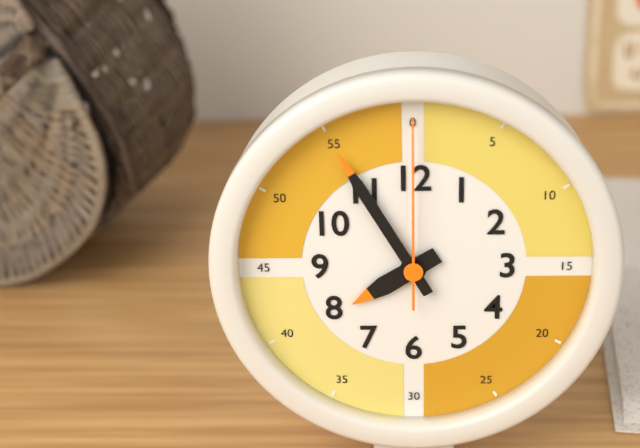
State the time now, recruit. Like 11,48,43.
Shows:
7,55,00
